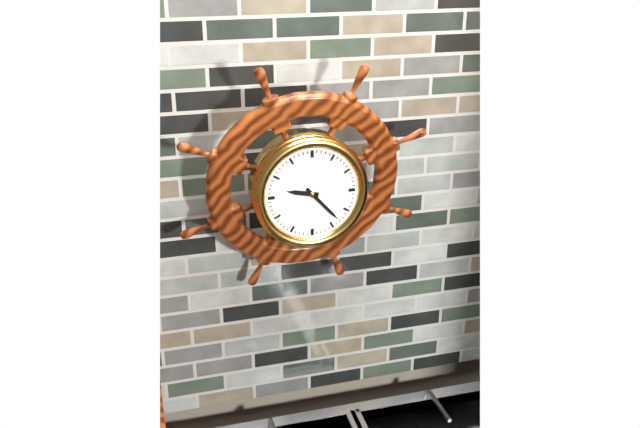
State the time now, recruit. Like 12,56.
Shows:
9,23
